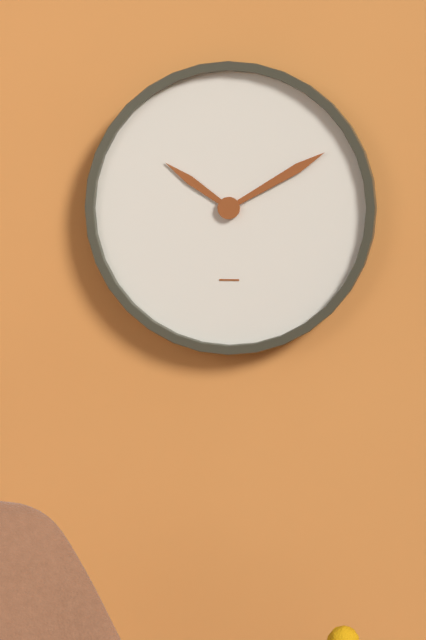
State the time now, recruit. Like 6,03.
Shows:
10,10
